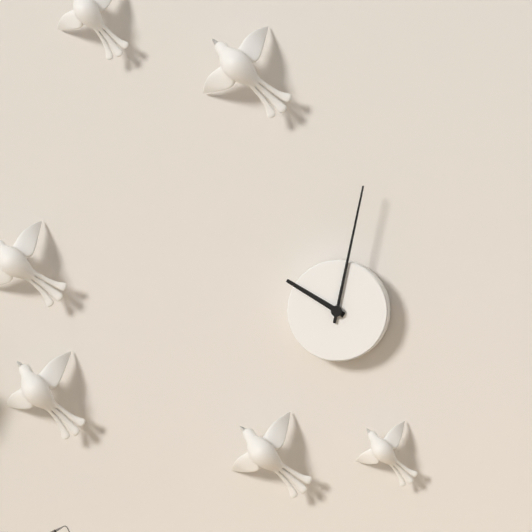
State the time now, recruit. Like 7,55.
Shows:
10,02
